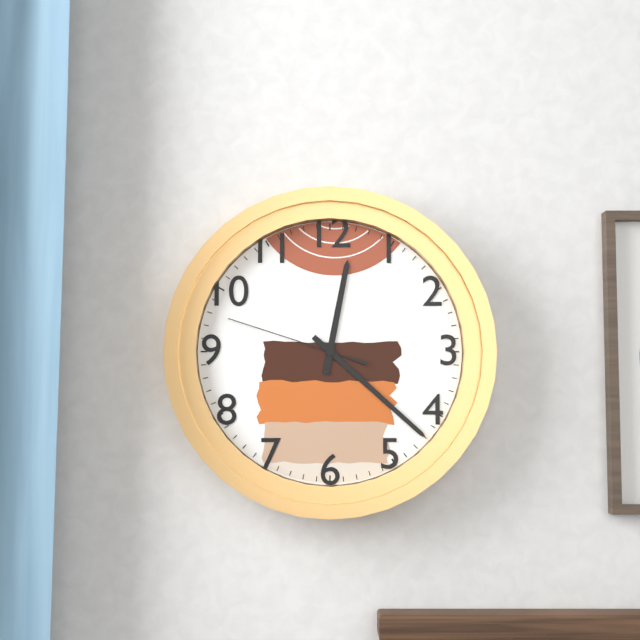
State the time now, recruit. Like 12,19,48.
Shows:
12,22,48
